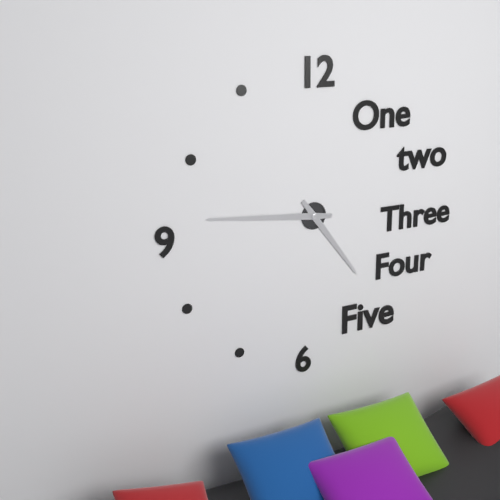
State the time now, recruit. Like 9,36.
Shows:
4,46
